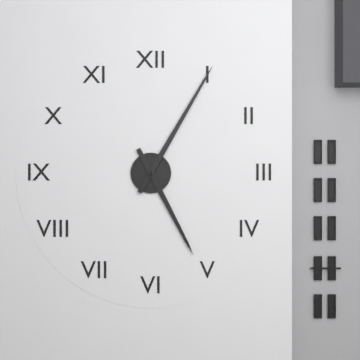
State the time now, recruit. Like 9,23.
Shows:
5,05
